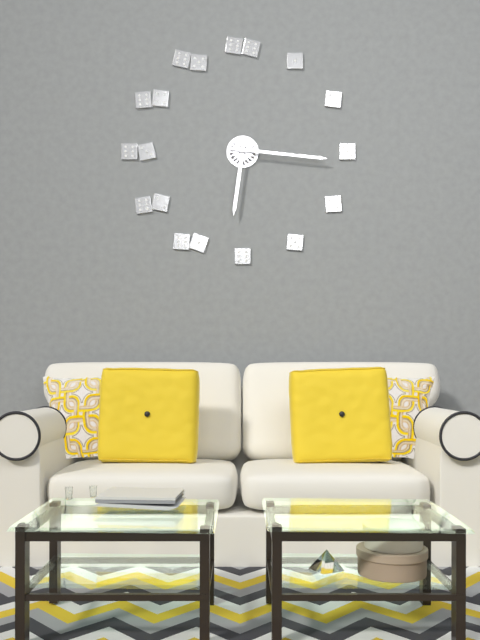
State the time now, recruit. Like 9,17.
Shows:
6,16
